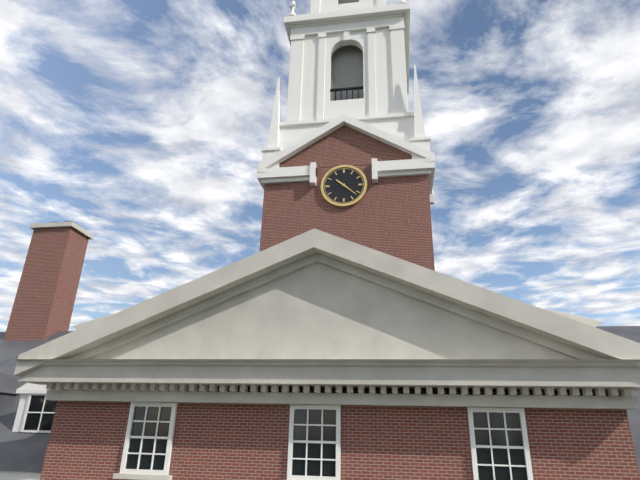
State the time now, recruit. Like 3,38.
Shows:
10,22
